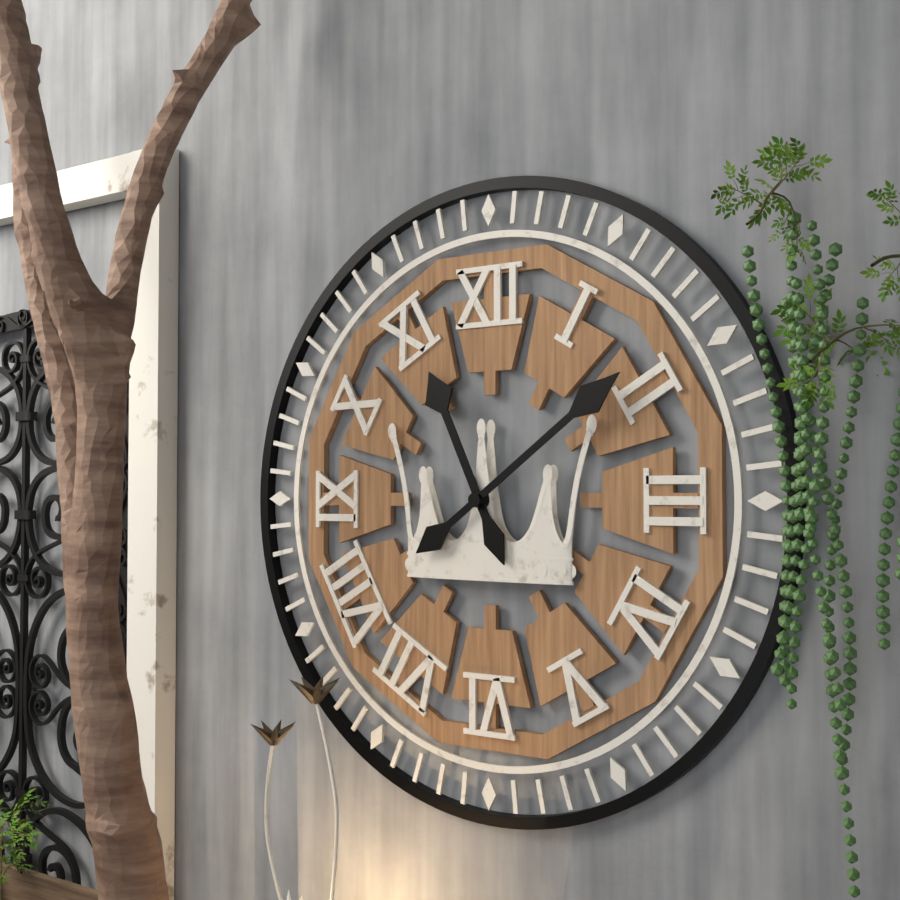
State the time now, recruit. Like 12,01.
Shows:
11,09
